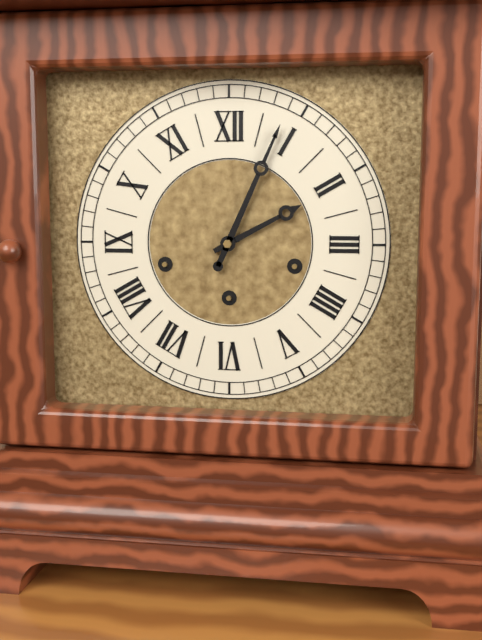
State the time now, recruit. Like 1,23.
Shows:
2,04
